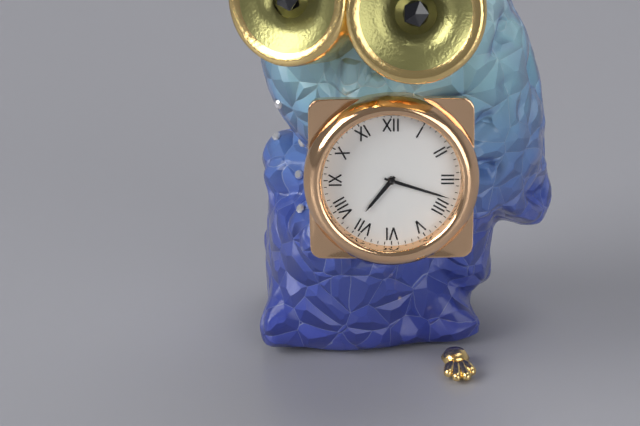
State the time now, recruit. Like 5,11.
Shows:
7,18
